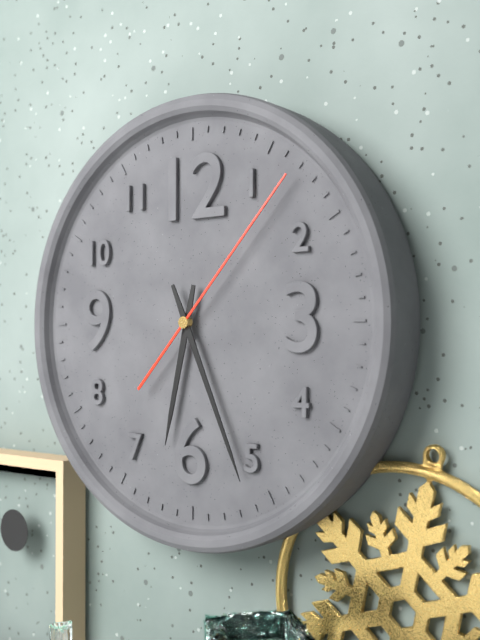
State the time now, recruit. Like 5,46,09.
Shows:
6,26,07
